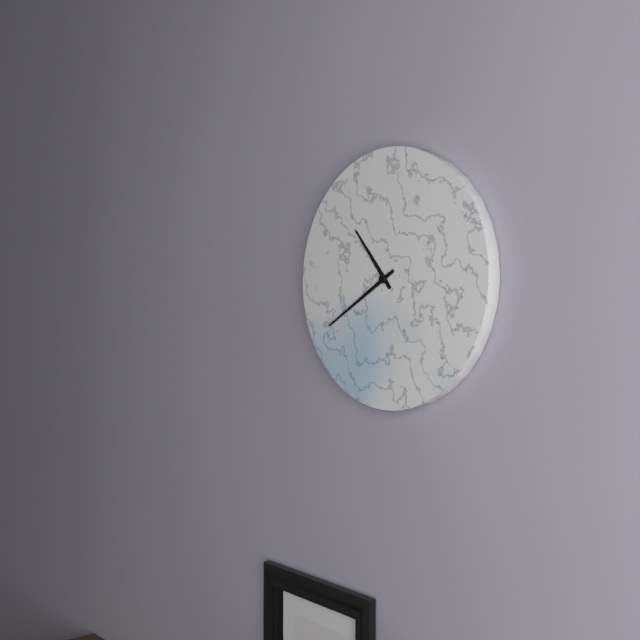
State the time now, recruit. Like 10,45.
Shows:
10,40
